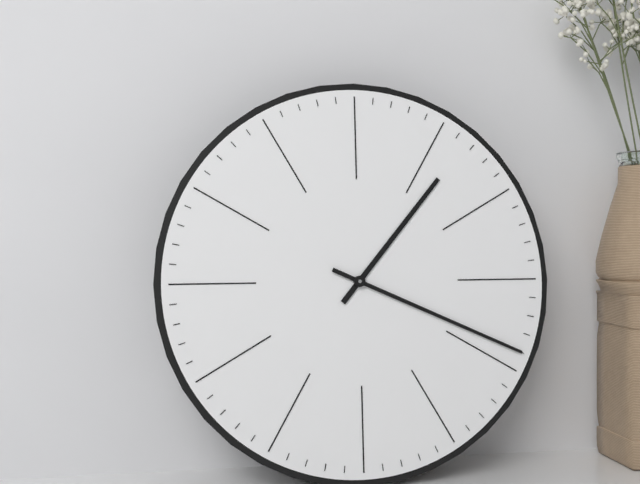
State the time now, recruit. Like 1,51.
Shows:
1,19
